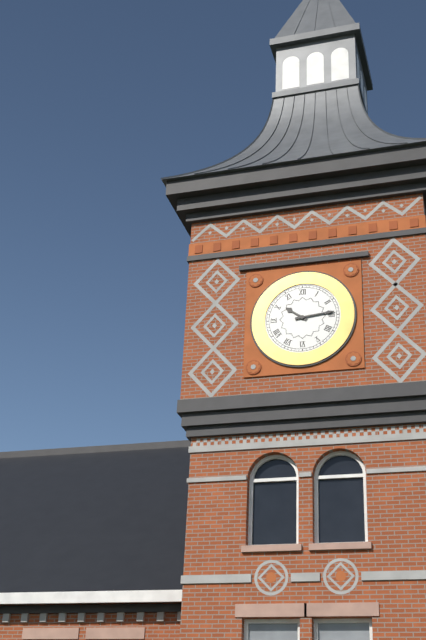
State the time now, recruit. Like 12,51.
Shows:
10,14
